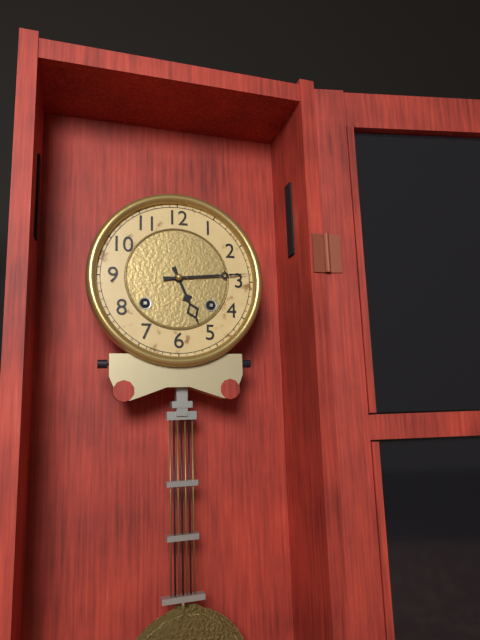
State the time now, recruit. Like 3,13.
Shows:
5,14
